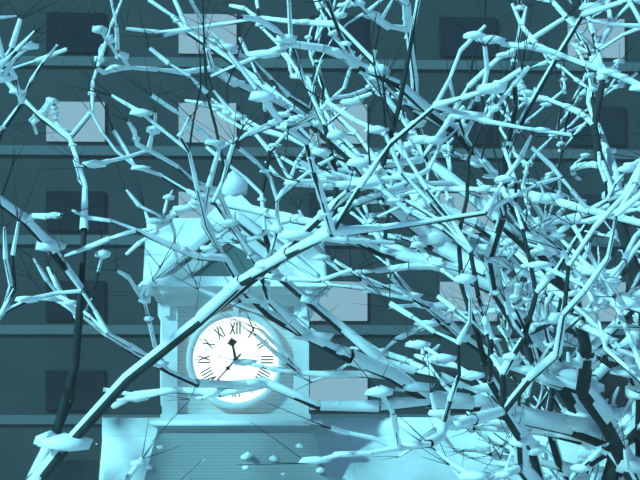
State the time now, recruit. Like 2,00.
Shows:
11,37
